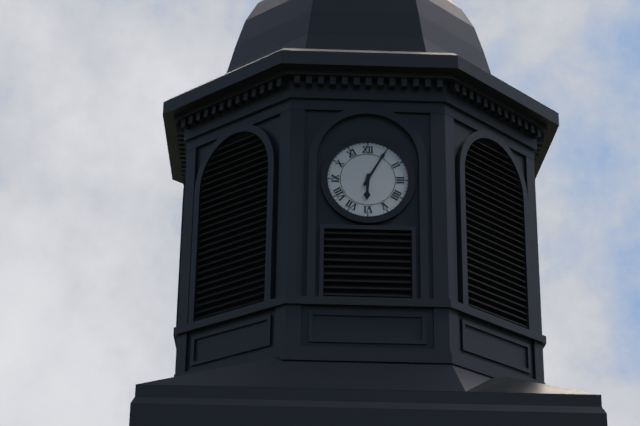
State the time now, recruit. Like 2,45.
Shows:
6,05
